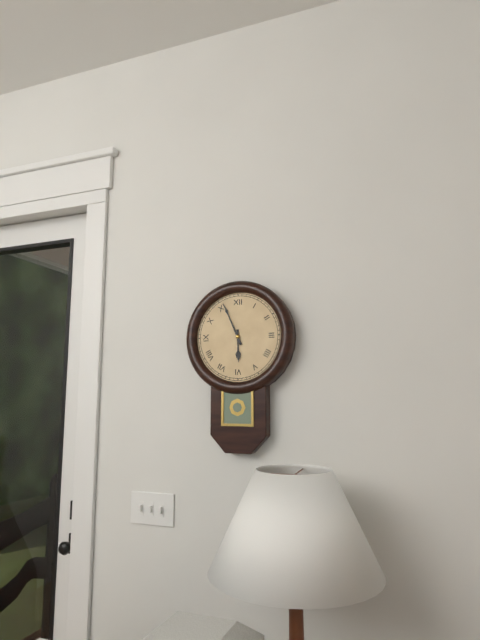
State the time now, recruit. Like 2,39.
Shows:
5,56
